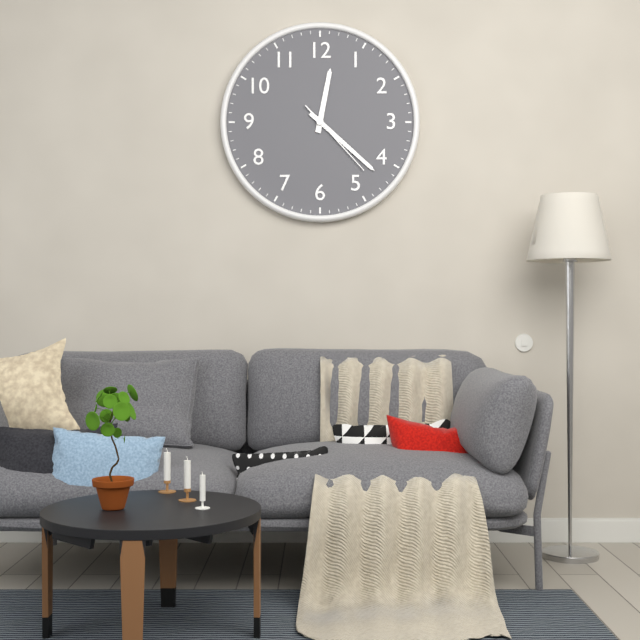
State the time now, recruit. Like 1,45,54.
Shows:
12,22,23
